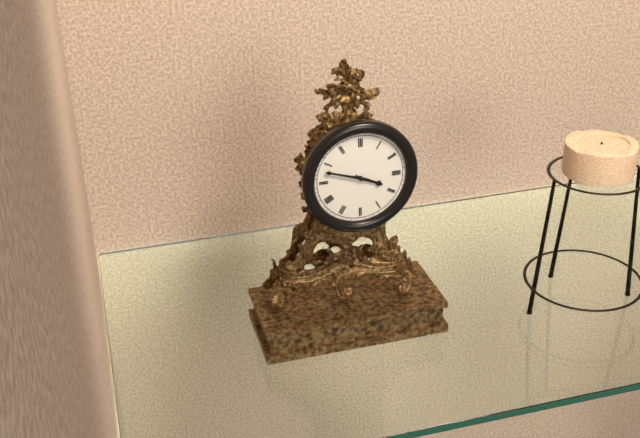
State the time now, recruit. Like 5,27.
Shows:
3,48
